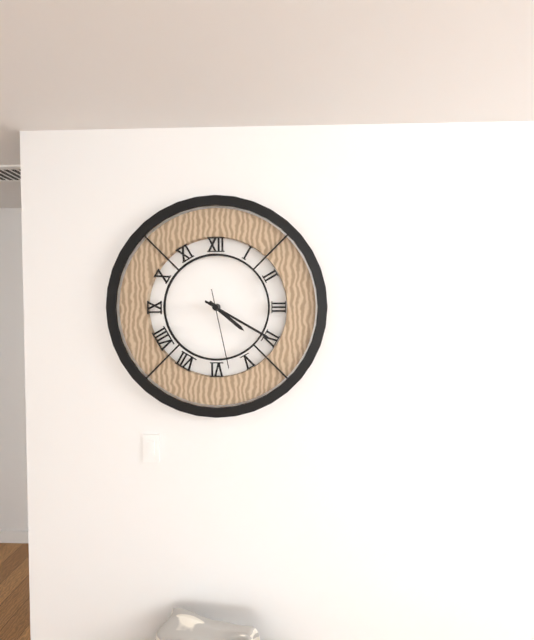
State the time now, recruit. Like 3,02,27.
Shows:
4,20,28
